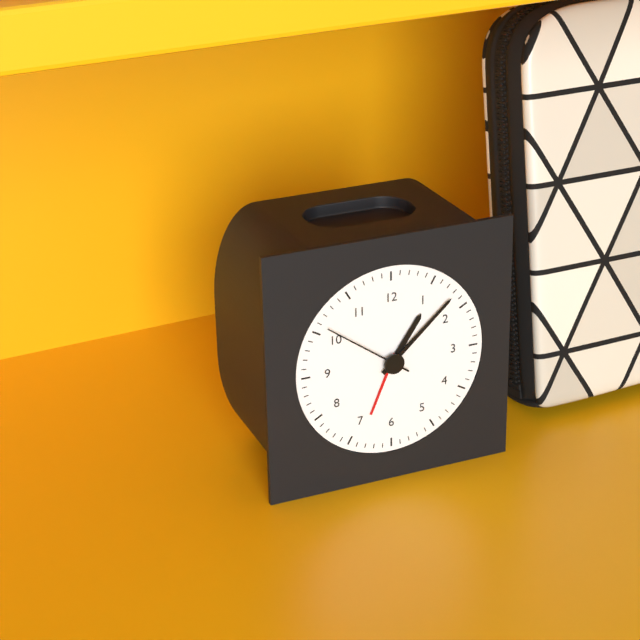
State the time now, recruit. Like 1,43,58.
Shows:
1,08,51
